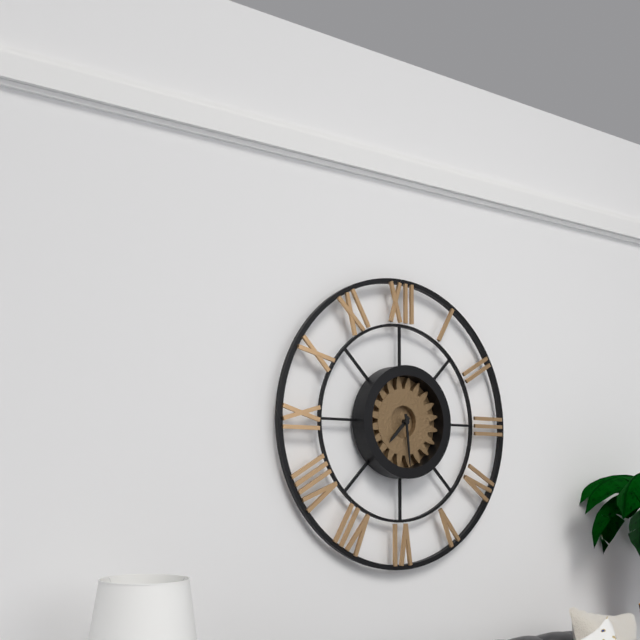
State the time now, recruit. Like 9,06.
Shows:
7,29
